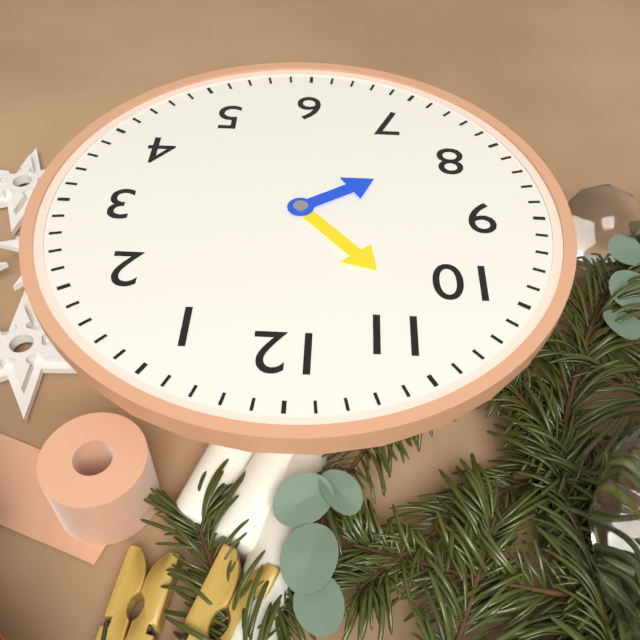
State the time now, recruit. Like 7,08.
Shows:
7,53
